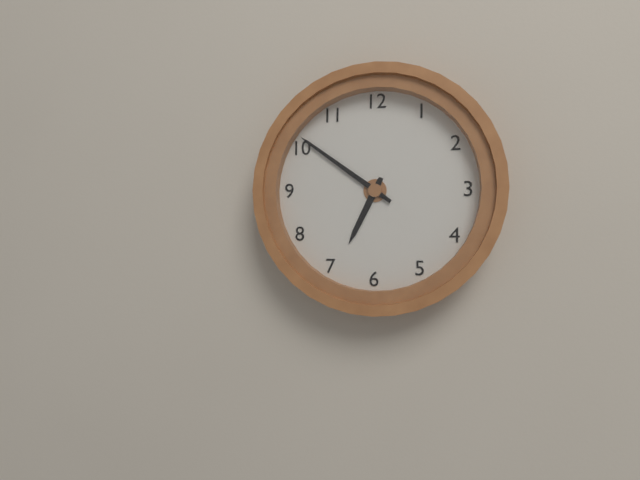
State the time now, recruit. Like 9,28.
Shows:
6,51
